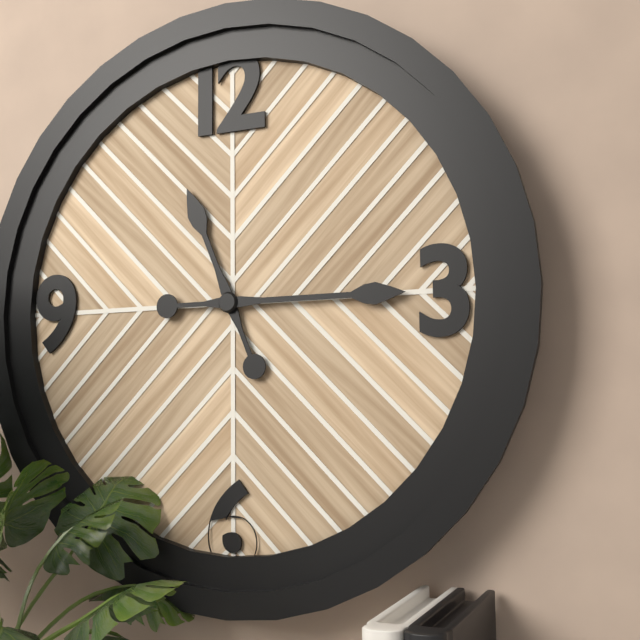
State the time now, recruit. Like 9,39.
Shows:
11,15
